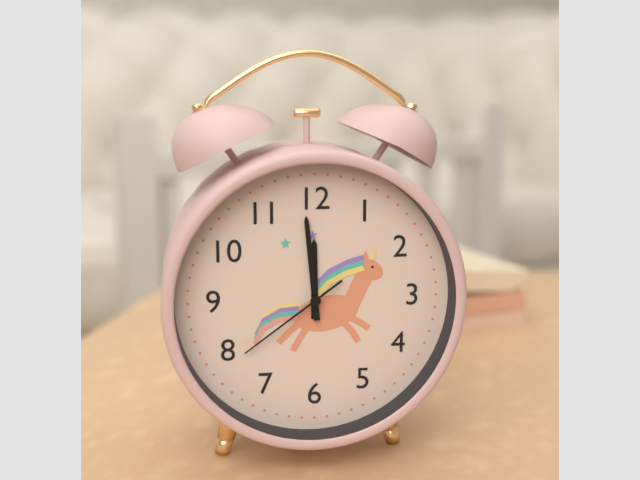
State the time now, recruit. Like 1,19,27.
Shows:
11,59,39
